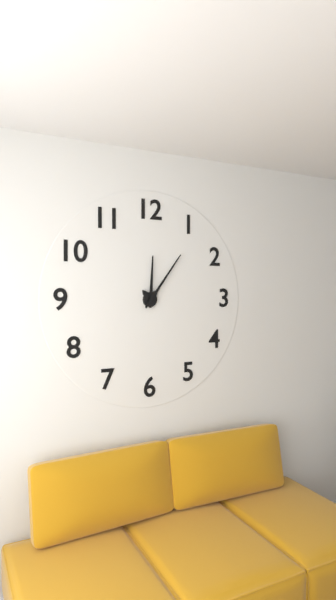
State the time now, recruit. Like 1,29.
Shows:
12,06
